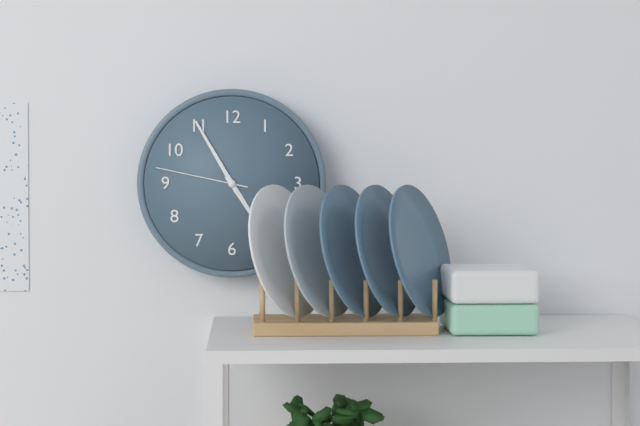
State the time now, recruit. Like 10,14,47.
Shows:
4,55,47
